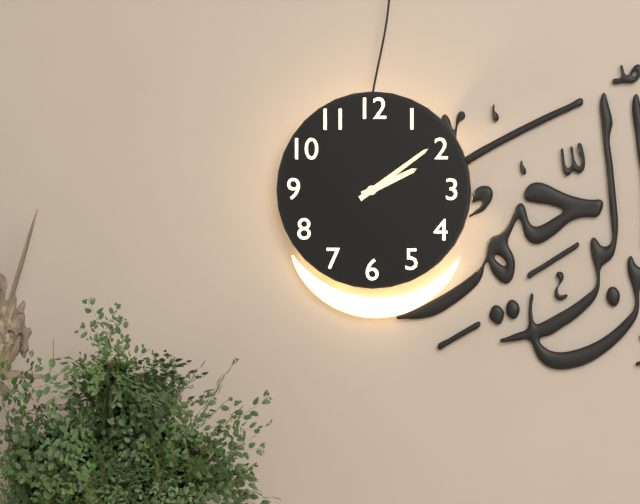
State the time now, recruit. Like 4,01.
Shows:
2,09
